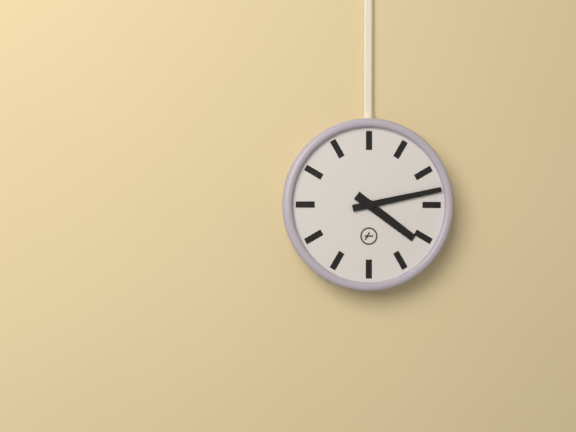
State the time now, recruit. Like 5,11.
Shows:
4,13
